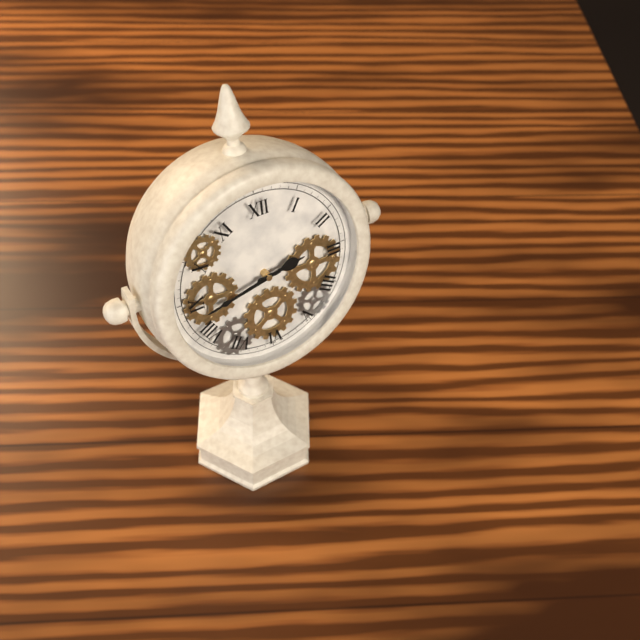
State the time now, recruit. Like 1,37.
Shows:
2,43
